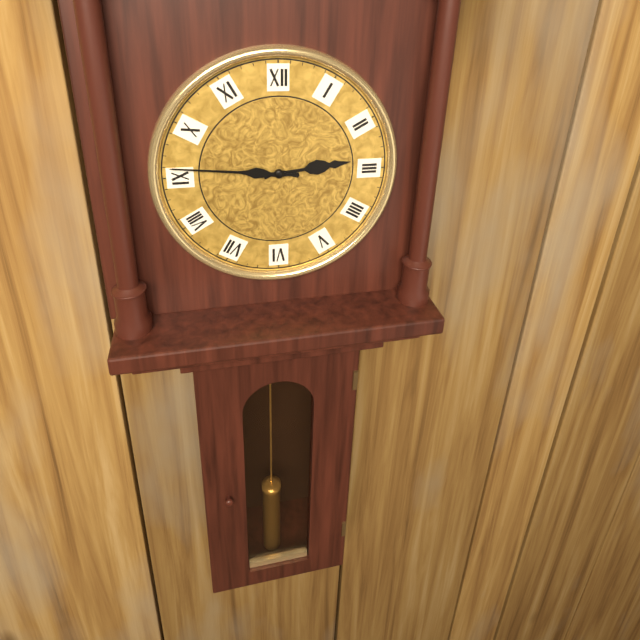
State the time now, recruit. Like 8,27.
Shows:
2,46
